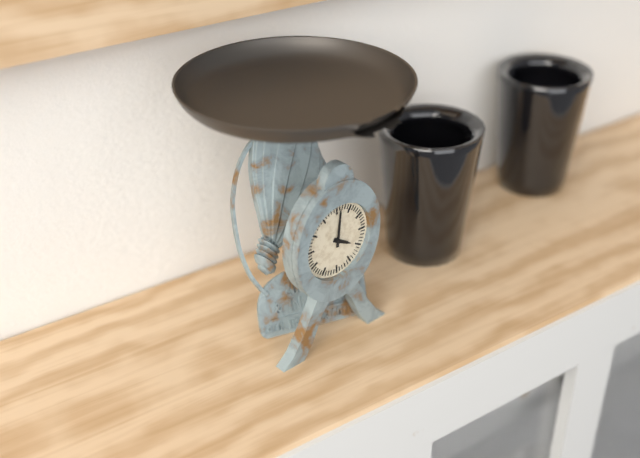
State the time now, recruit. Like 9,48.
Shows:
4,01
